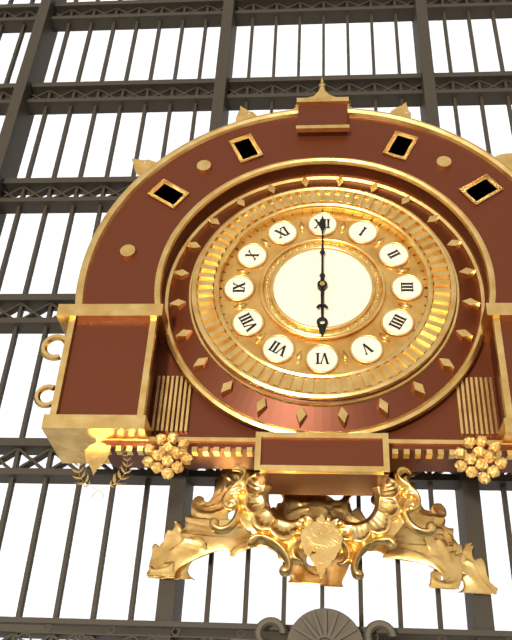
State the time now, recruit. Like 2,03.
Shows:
6,00
